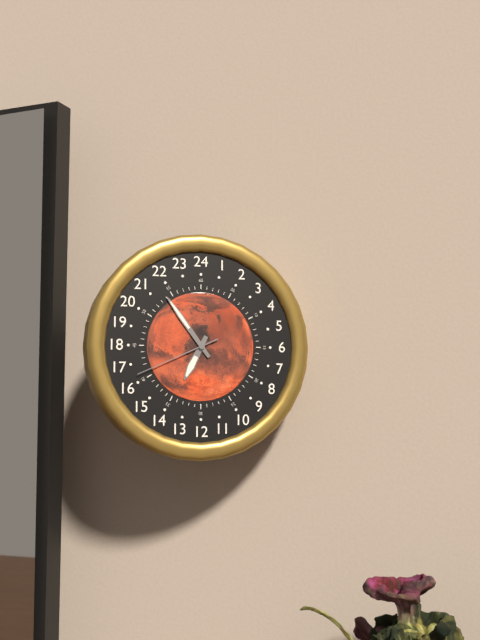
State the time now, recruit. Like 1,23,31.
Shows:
6,54,41
